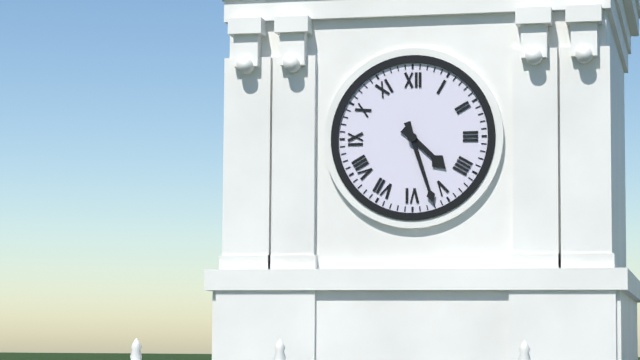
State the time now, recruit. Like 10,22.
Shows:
4,27
